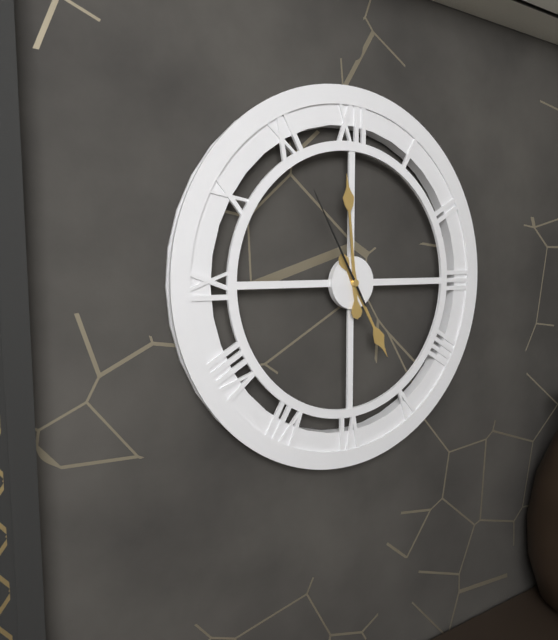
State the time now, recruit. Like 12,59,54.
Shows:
4,59,55
